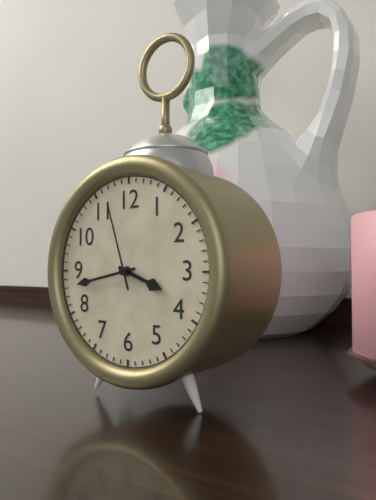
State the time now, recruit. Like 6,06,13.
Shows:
3,43,57
